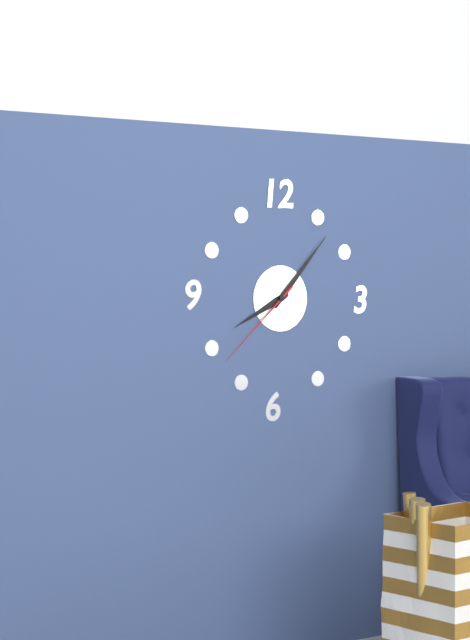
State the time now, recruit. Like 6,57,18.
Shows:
8,07,38
